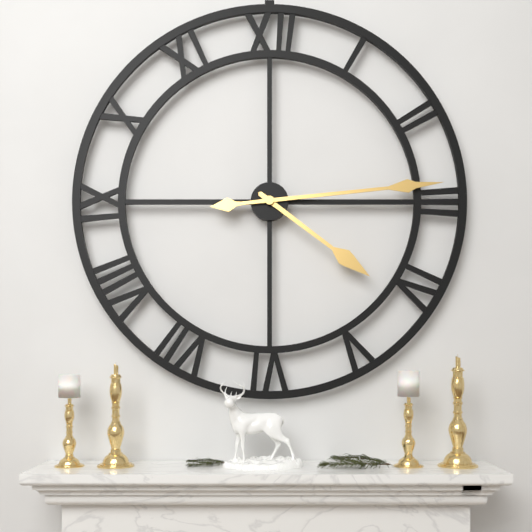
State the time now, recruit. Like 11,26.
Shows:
4,14
